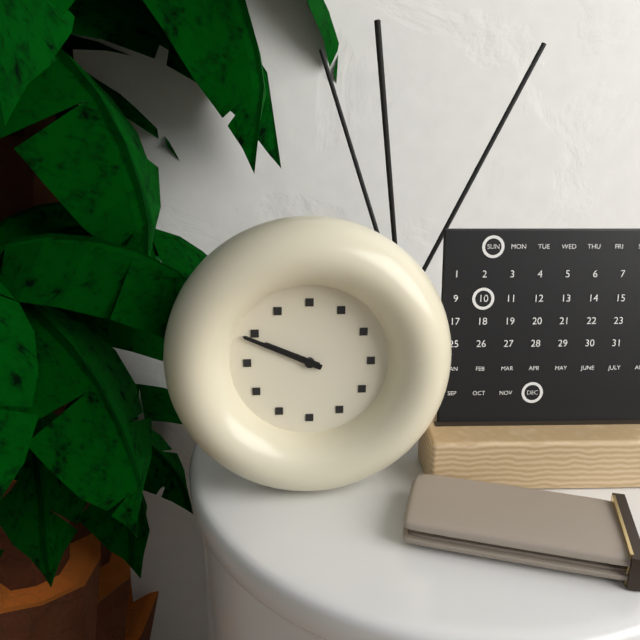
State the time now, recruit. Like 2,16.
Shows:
9,49
